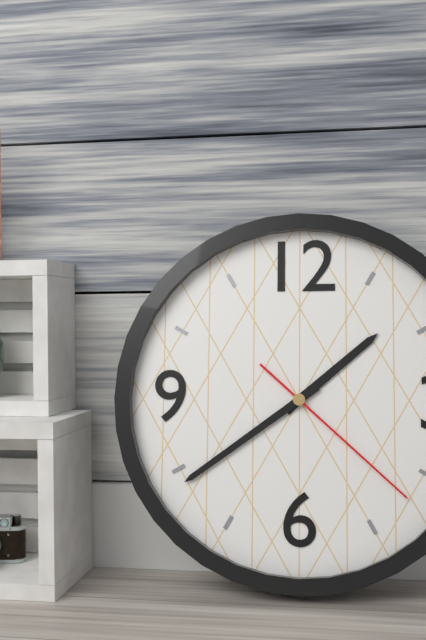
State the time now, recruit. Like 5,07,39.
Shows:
1,39,22
